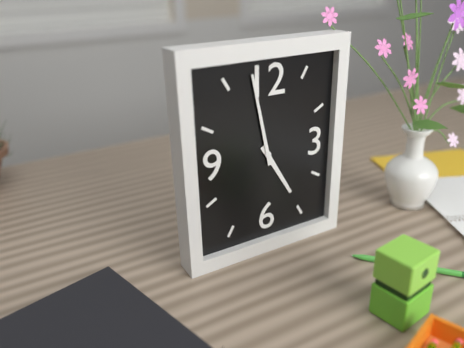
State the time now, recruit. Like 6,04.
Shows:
4,58
